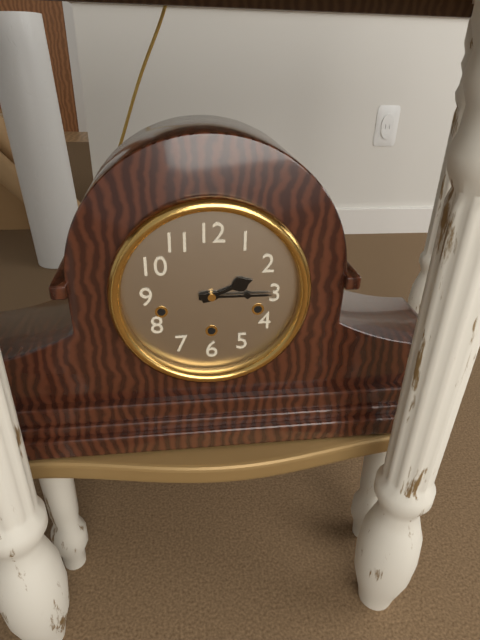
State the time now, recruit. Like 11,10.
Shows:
2,15
